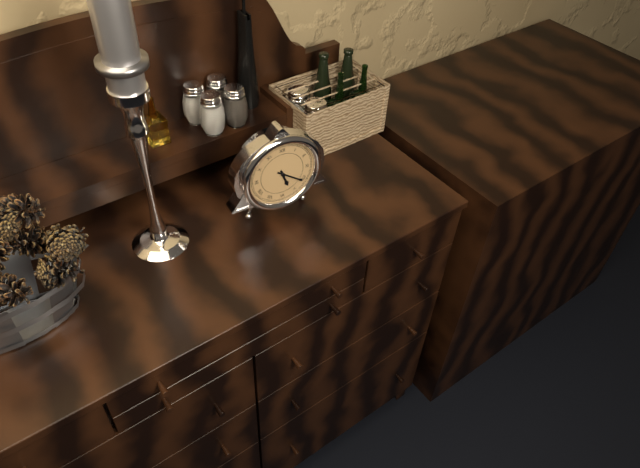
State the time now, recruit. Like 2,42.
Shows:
5,21
